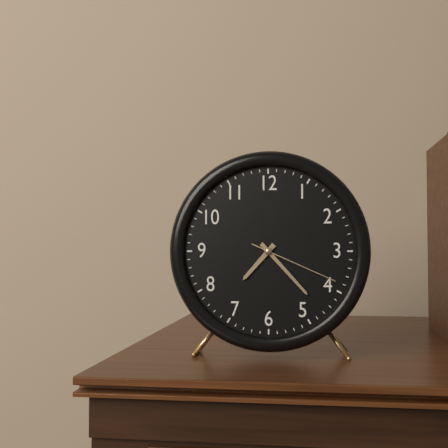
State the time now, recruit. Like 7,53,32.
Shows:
7,23,19
